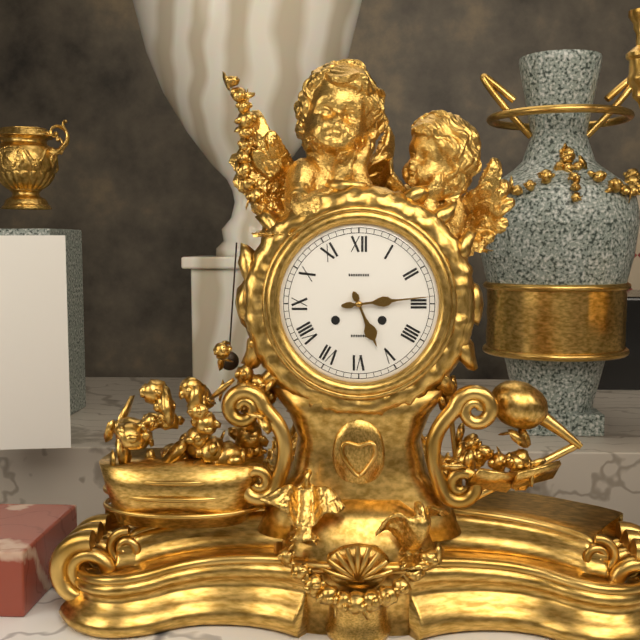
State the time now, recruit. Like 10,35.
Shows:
5,14
